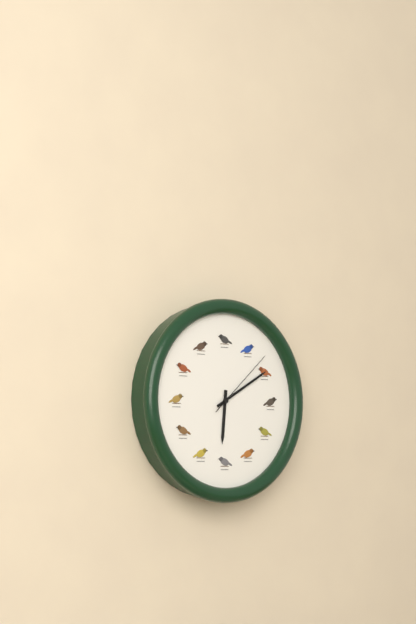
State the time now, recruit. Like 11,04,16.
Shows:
6,10,08
